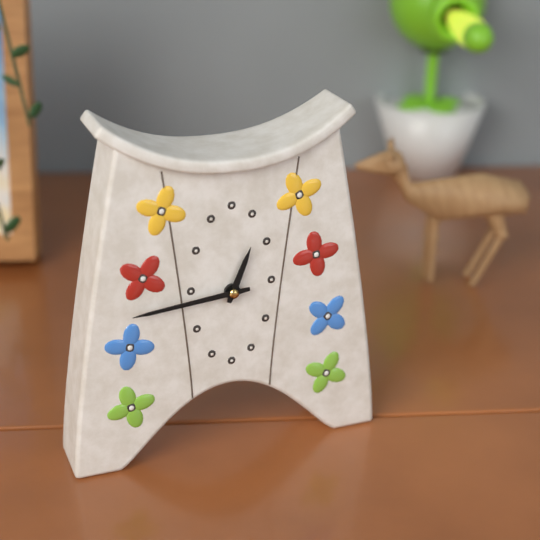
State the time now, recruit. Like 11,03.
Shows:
12,44
